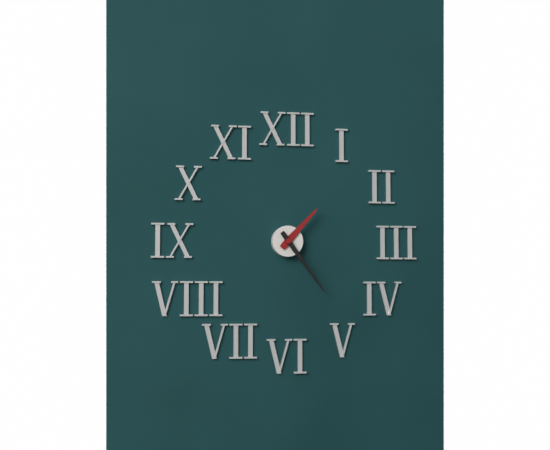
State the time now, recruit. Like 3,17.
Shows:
1,24
